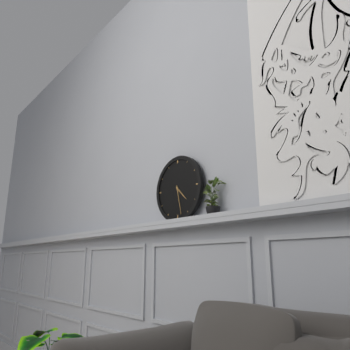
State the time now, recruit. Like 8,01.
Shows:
4,28
